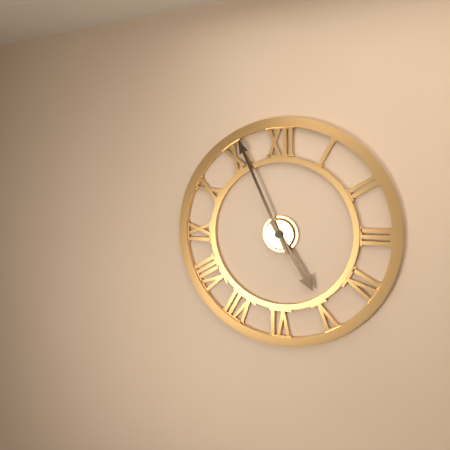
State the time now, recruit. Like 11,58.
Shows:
4,56
